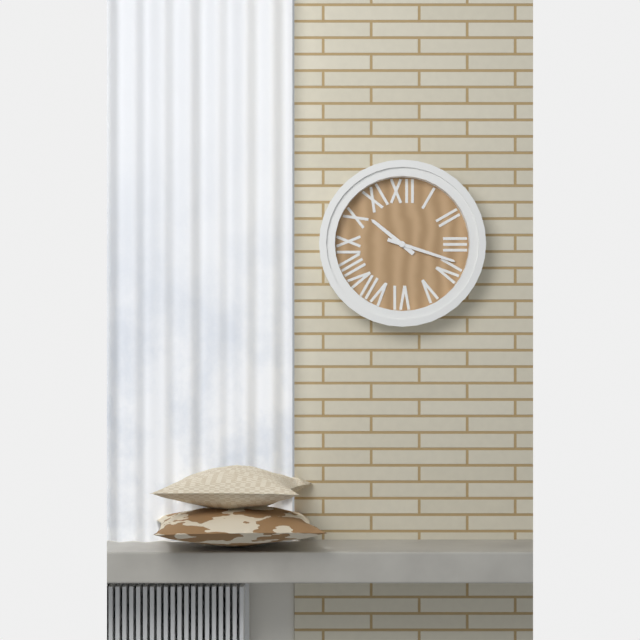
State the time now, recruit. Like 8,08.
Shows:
10,18
